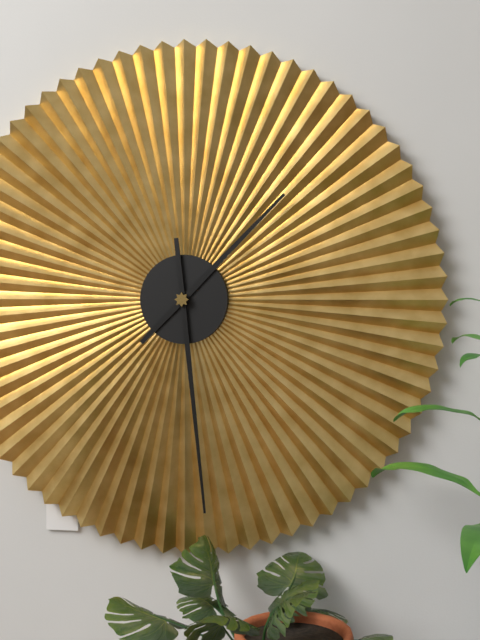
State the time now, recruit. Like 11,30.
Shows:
1,29
